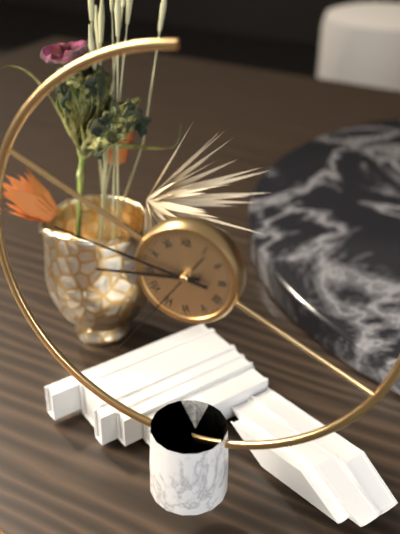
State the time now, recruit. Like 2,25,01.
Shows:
8,47,36
